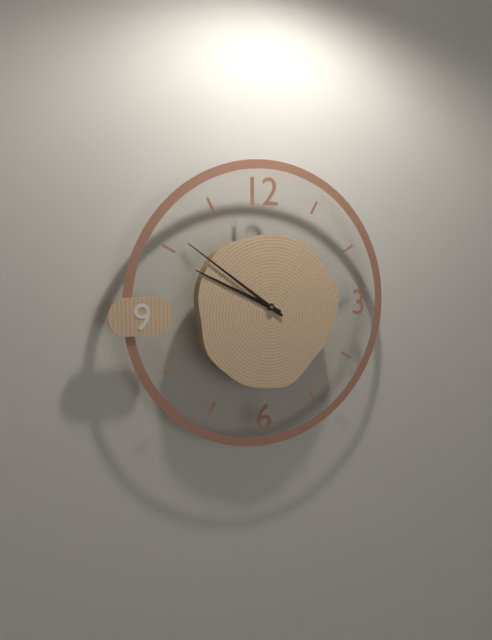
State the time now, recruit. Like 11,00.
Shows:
9,51
